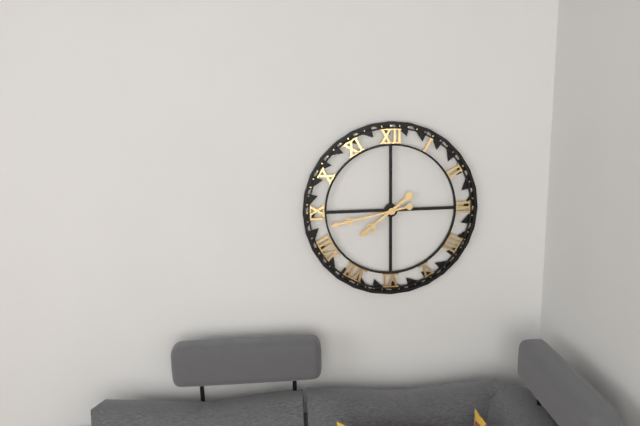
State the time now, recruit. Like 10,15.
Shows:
7,43
